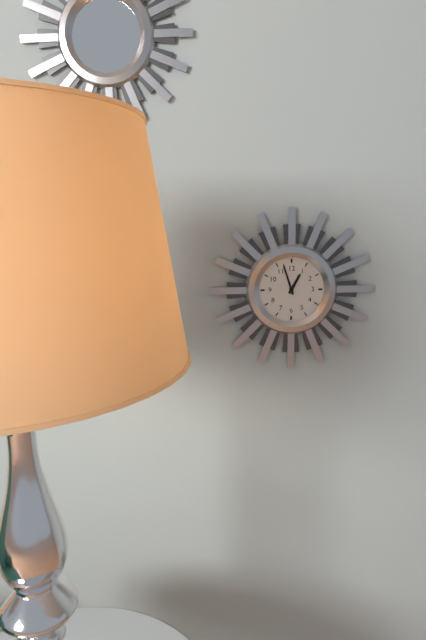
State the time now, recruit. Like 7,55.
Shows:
12,57
